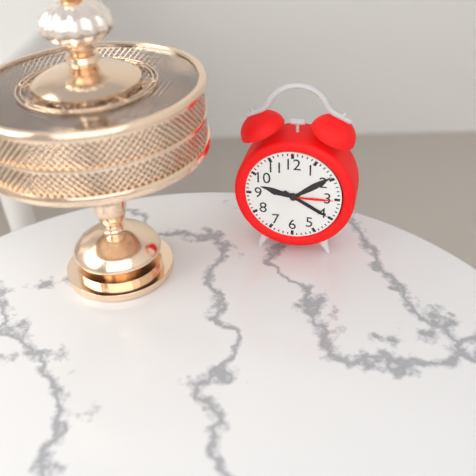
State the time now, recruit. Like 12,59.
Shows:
9,20
